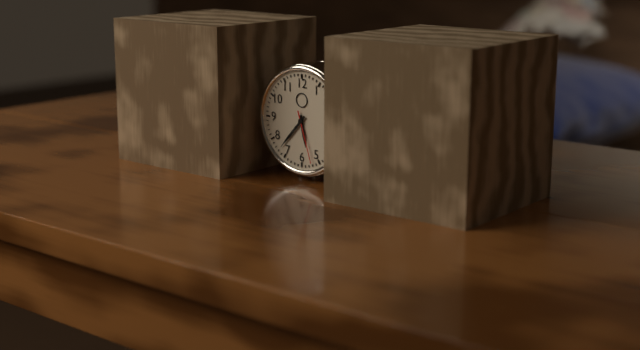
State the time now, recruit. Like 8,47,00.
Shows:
5,37,27
